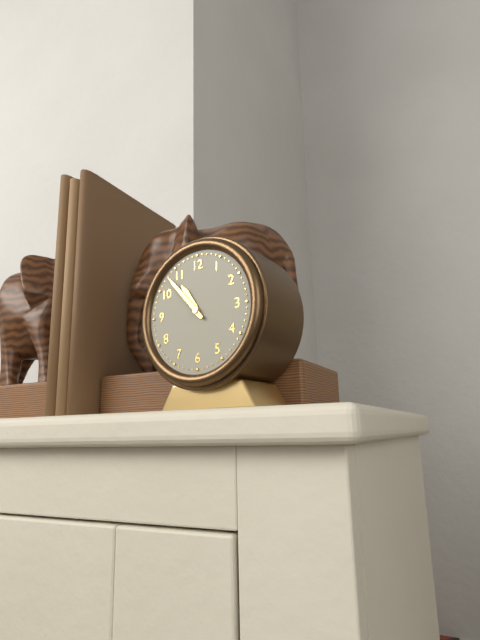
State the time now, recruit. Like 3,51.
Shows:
10,53
